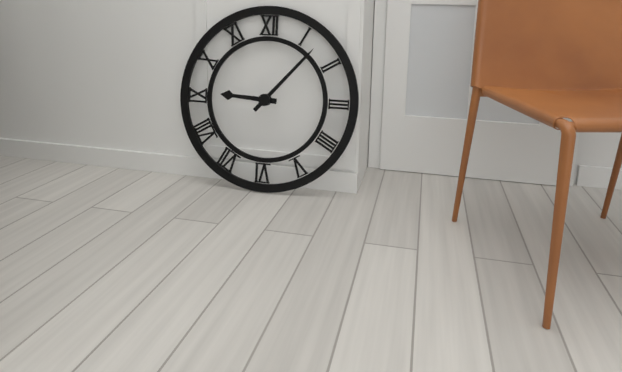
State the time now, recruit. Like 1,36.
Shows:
9,07
